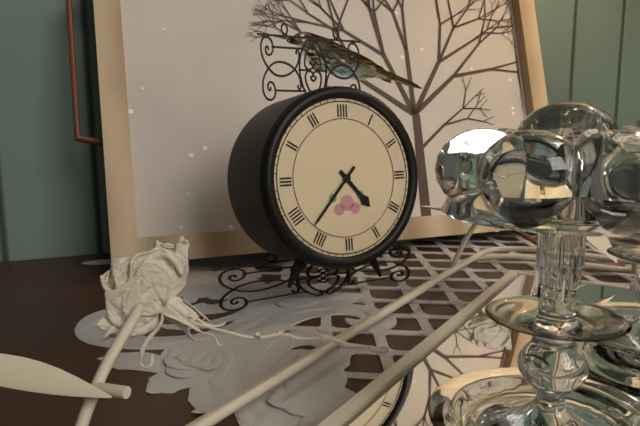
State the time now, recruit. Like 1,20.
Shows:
4,37
